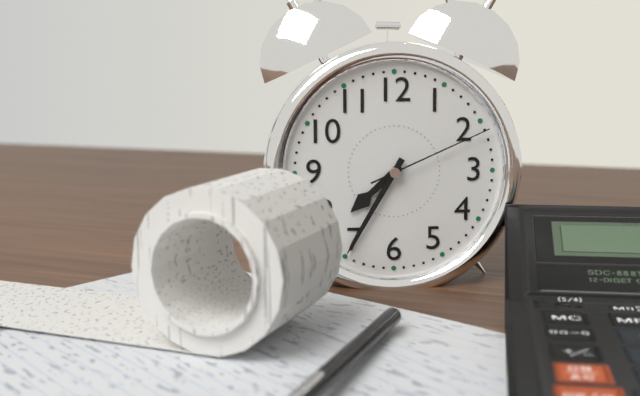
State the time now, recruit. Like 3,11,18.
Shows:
7,35,11
